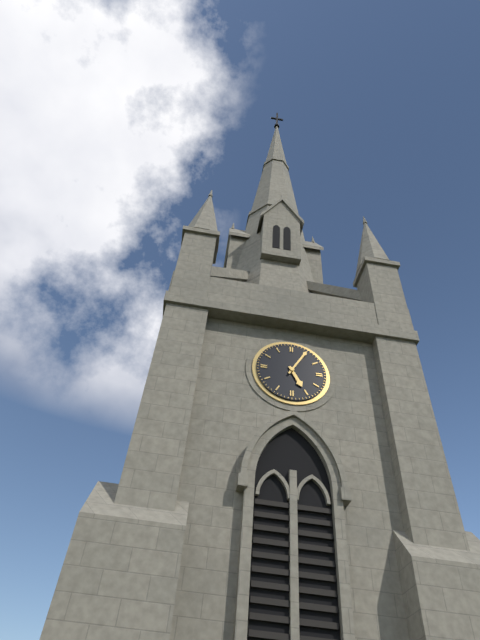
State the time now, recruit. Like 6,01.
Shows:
5,05
